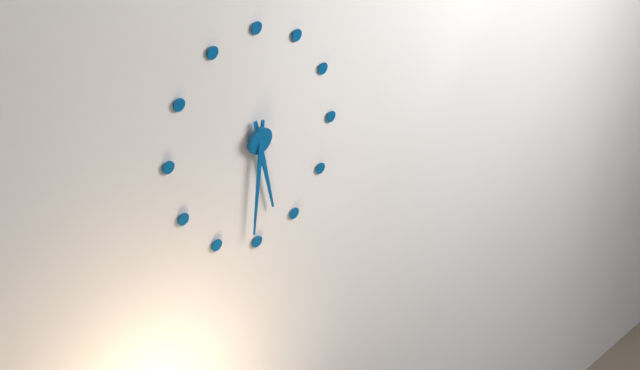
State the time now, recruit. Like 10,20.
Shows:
5,31
